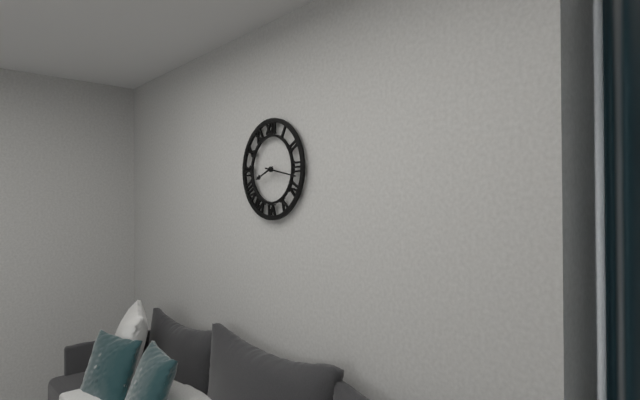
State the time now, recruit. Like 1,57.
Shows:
8,17
